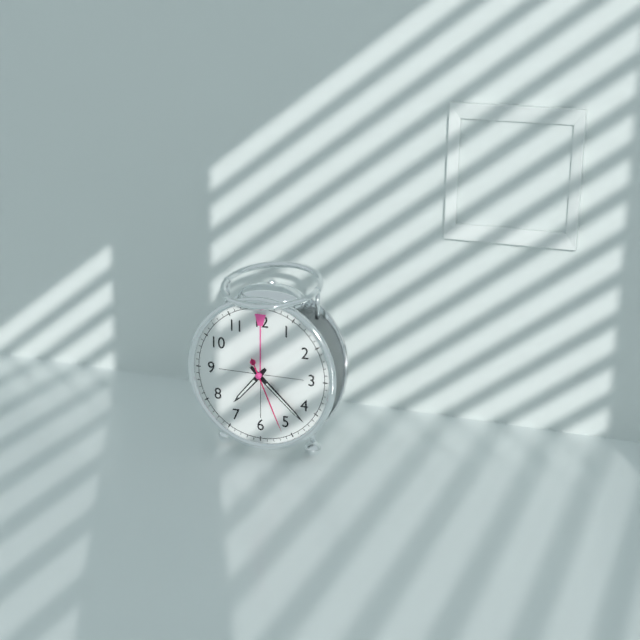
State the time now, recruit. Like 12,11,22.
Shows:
7,22,26
